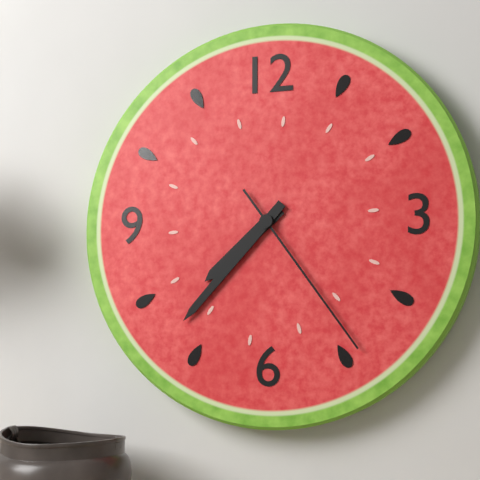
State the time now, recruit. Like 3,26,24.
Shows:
7,37,24
